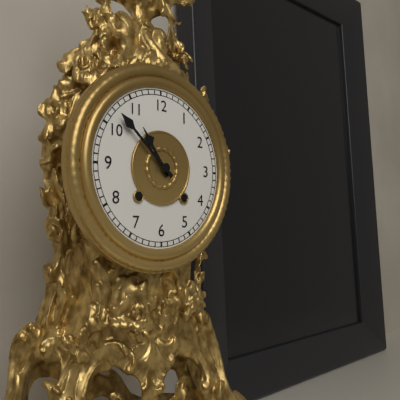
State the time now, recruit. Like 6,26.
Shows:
10,52
